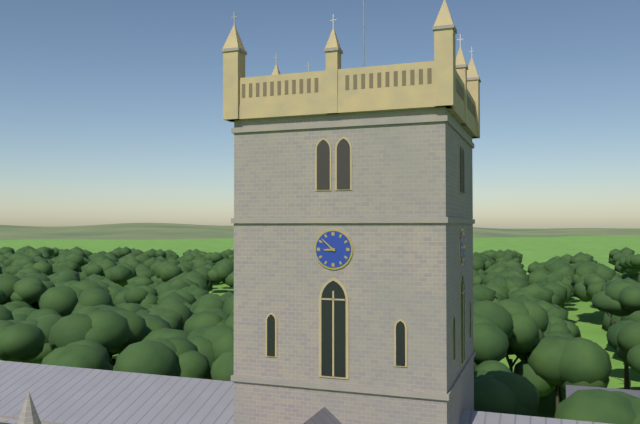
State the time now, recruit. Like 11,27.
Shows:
8,52
